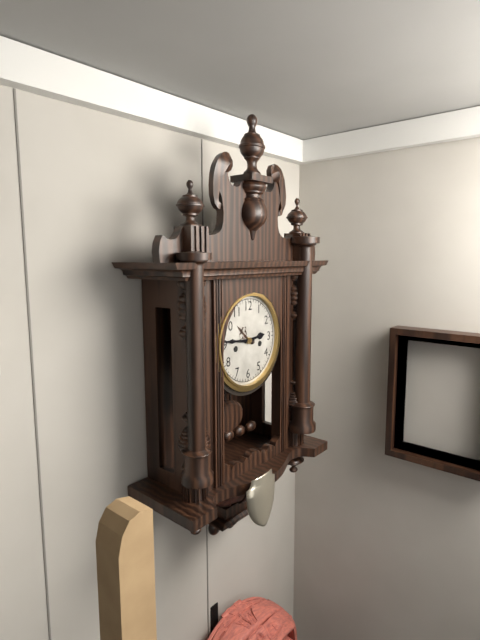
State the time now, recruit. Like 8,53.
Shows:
2,46
